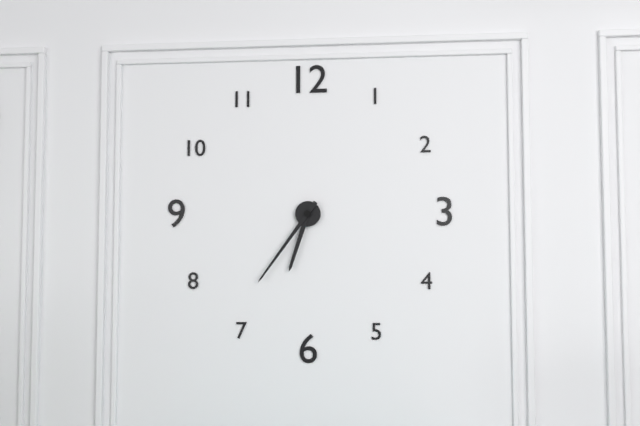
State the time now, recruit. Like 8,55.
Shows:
6,36
